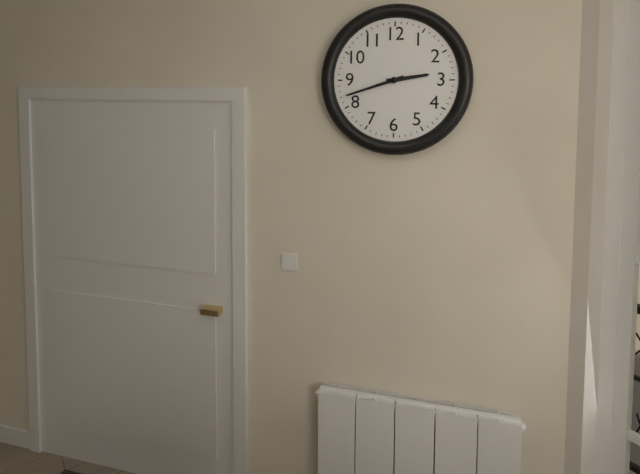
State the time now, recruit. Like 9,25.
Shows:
2,42
